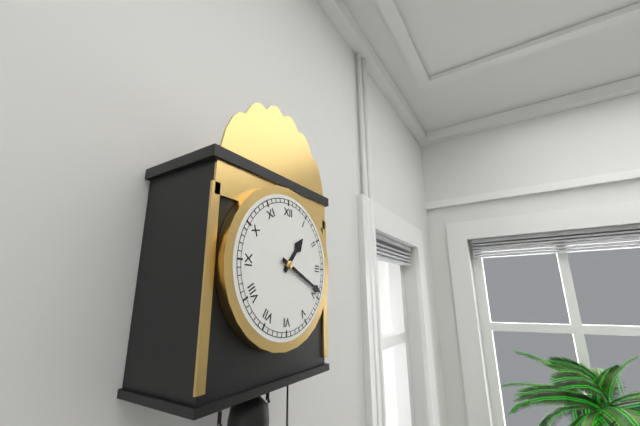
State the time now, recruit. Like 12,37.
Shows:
1,19
